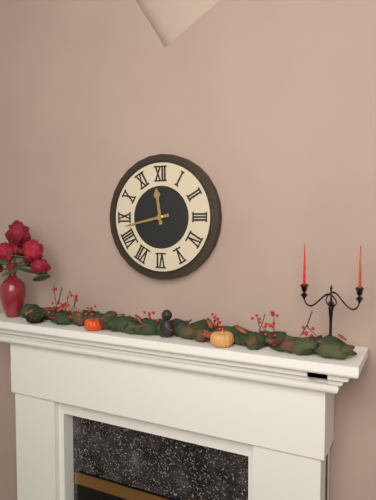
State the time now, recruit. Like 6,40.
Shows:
11,43
